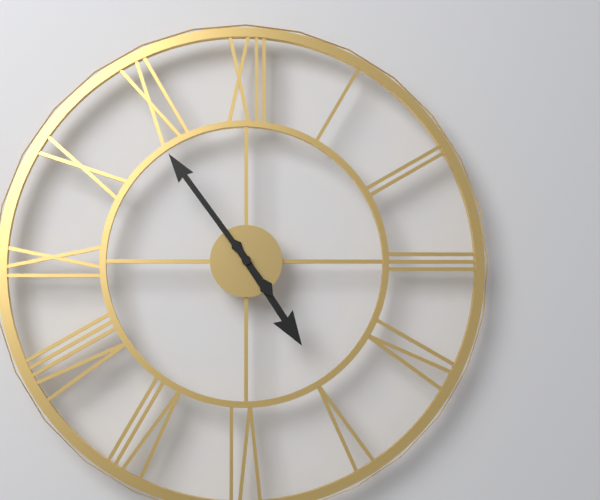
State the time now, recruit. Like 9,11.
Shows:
4,54
